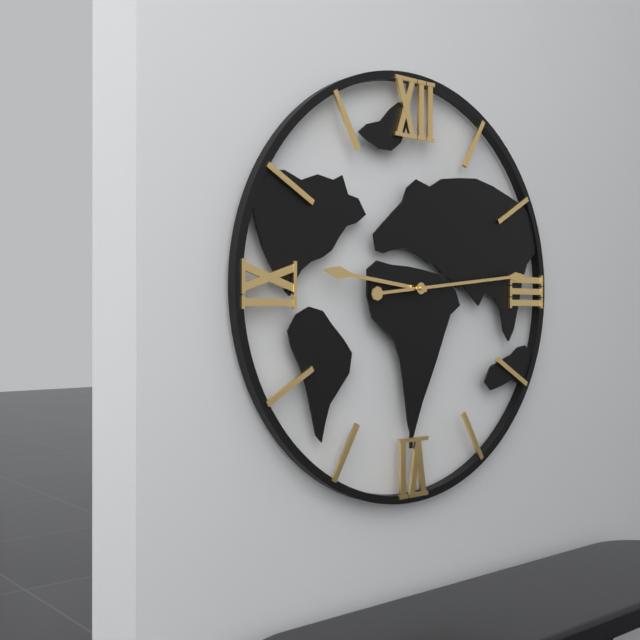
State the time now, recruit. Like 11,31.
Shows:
9,14
